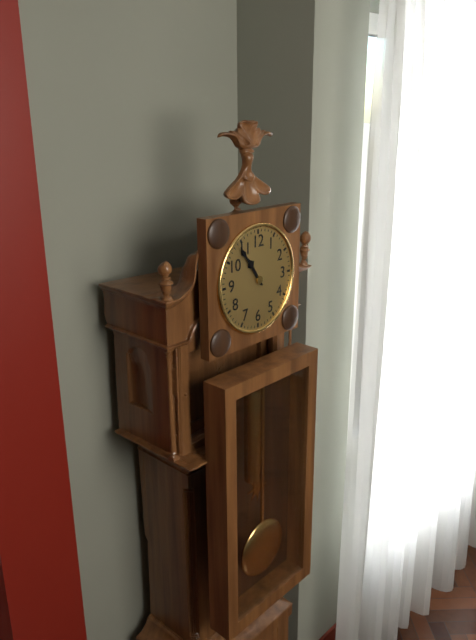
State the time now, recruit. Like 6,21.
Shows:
10,54
